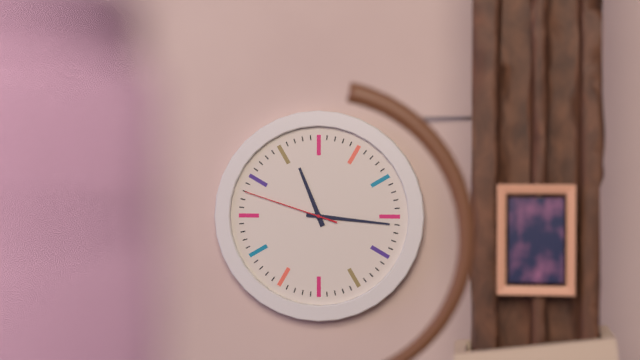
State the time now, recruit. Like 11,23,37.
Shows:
11,16,48
